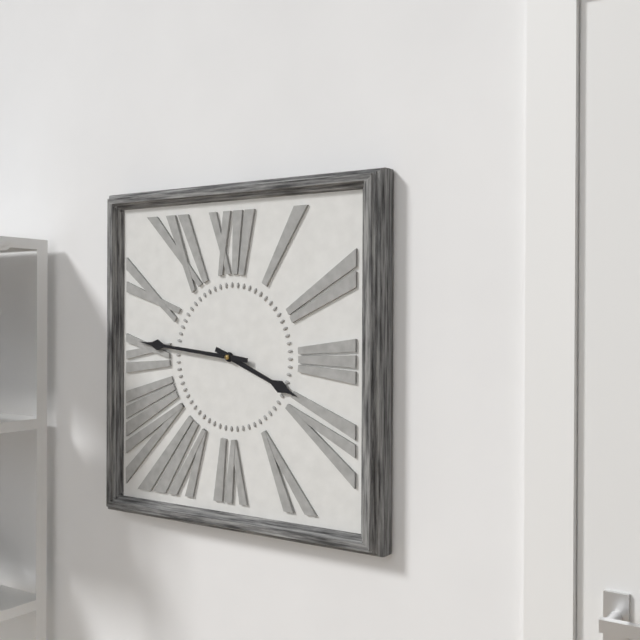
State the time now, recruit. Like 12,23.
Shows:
3,46
